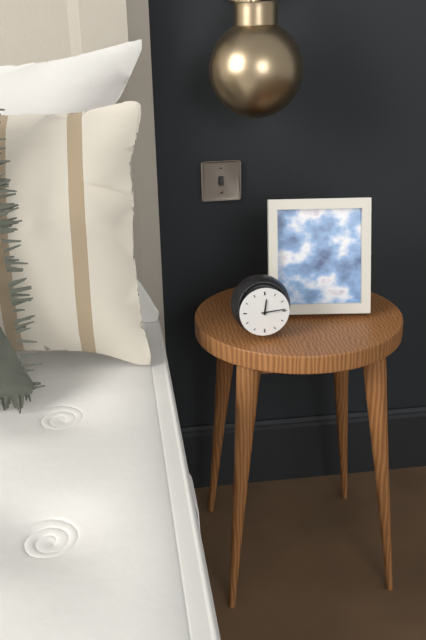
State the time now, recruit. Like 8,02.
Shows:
12,14
